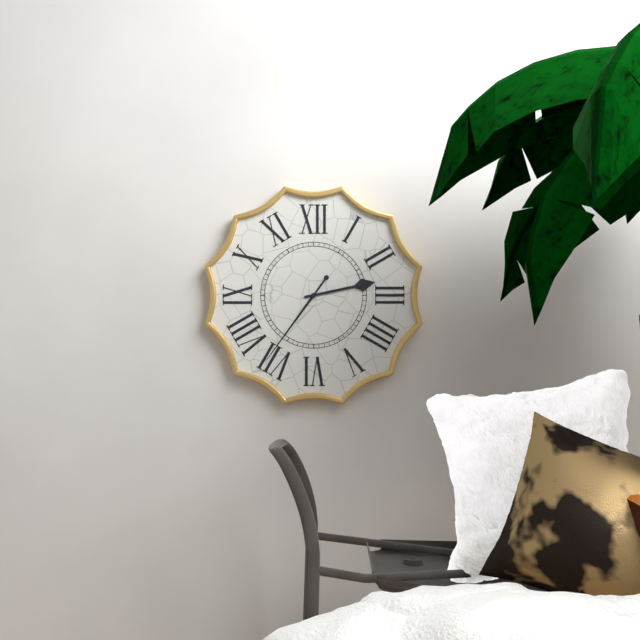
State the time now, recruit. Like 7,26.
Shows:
2,36
